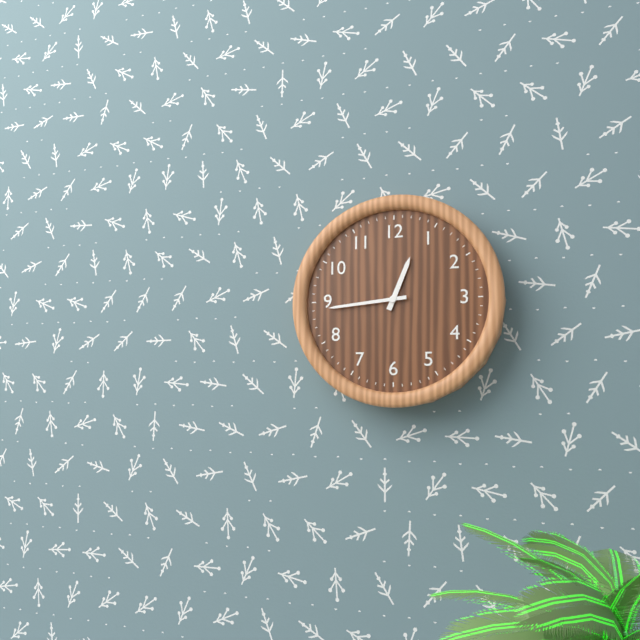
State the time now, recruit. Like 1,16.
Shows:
12,44
